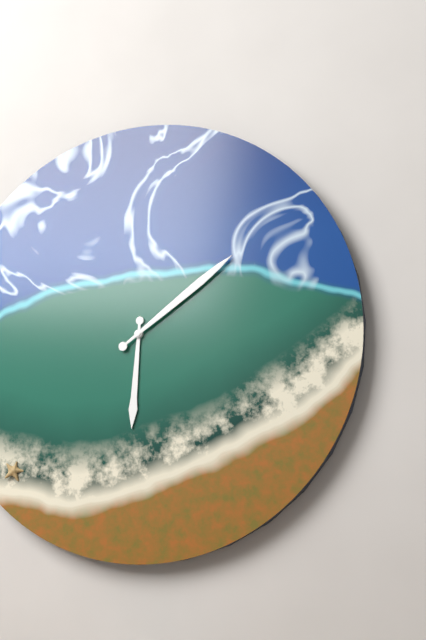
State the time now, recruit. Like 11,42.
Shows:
6,09
